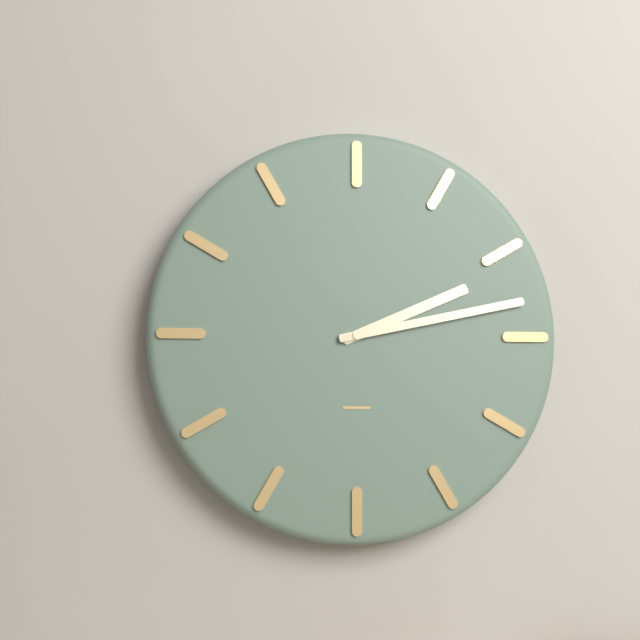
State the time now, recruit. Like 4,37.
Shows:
2,13
